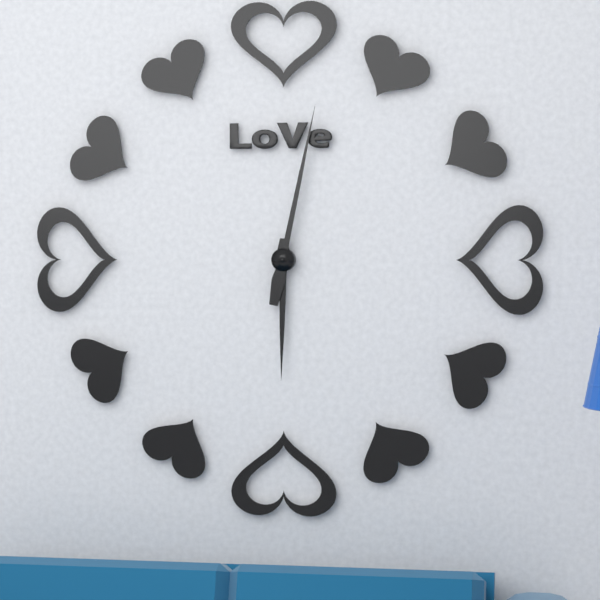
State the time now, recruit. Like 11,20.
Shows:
6,02
